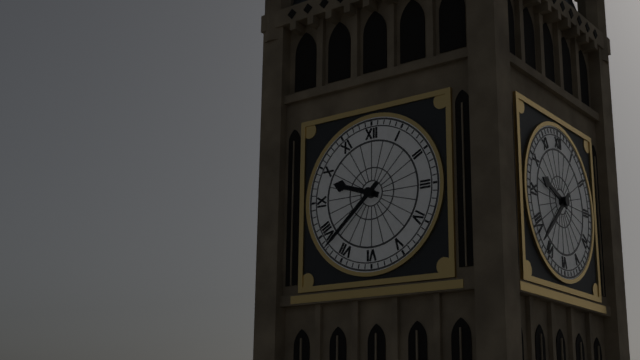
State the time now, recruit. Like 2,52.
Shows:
9,38
